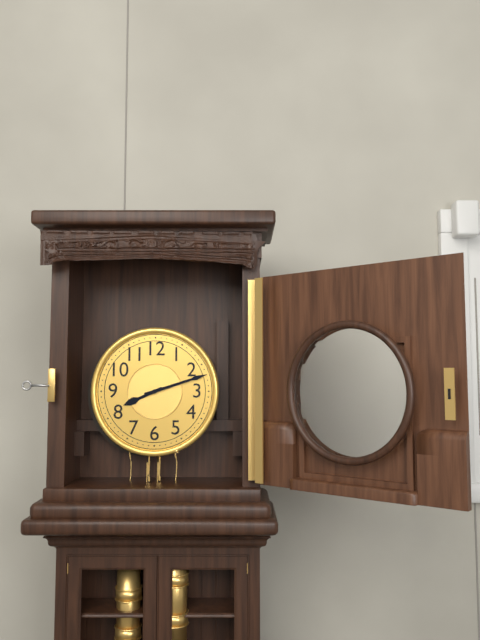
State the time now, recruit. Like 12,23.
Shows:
8,12
